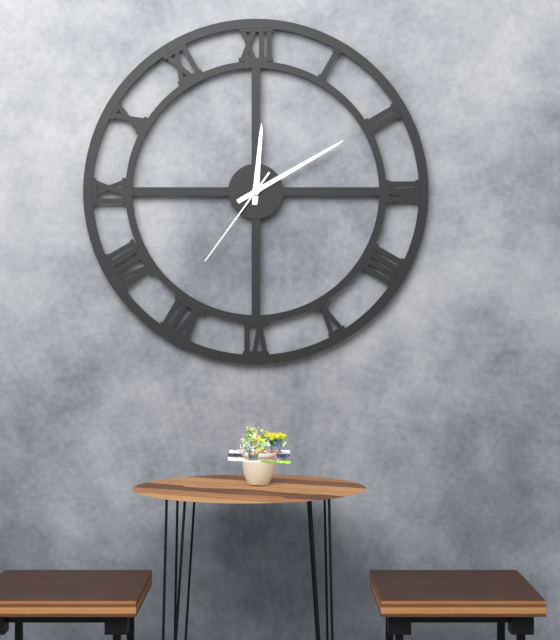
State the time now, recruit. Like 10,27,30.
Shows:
12,10,36
